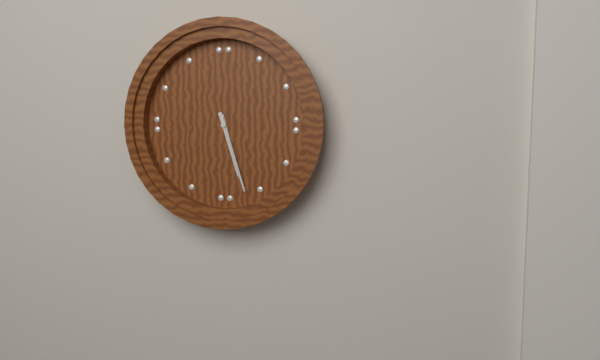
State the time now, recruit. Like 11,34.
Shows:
5,27
